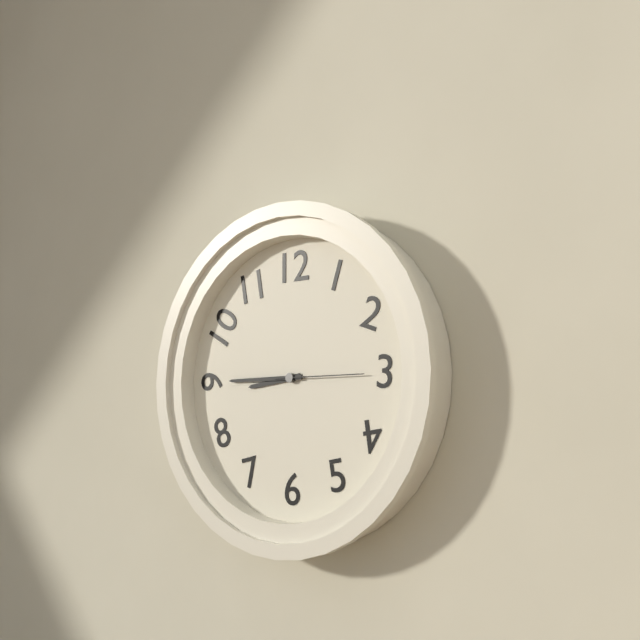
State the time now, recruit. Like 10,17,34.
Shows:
8,45,15
